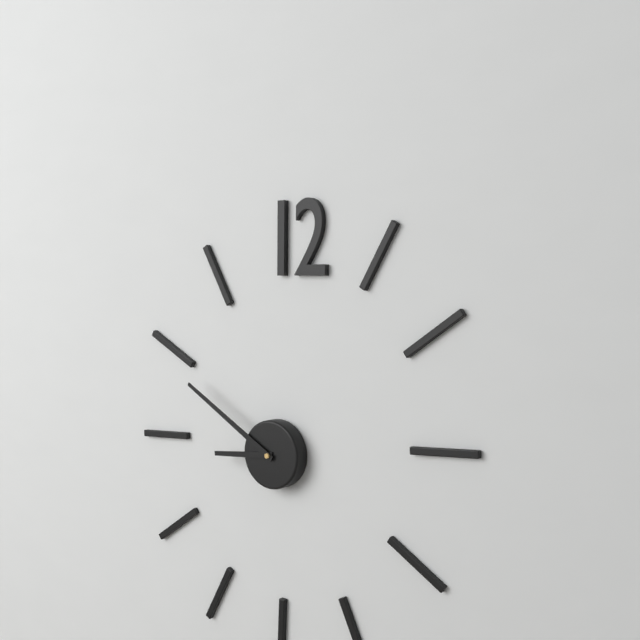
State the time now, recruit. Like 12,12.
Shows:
8,50
